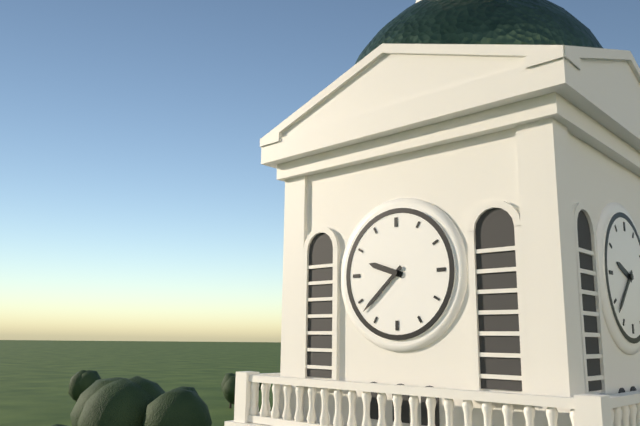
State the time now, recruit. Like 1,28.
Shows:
9,38
